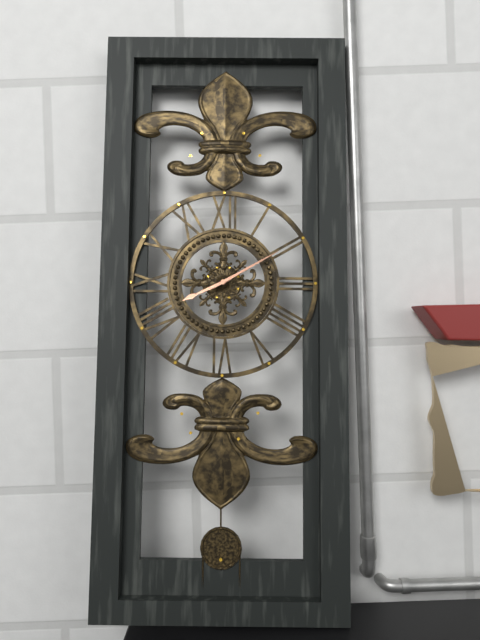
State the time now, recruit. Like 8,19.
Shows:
8,10
